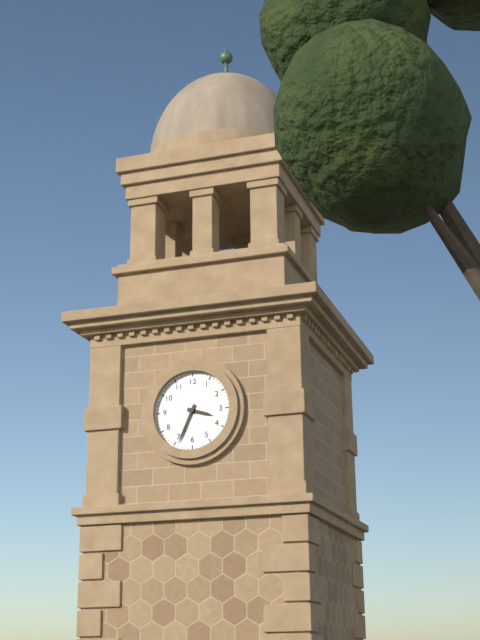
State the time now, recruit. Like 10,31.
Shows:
3,34
